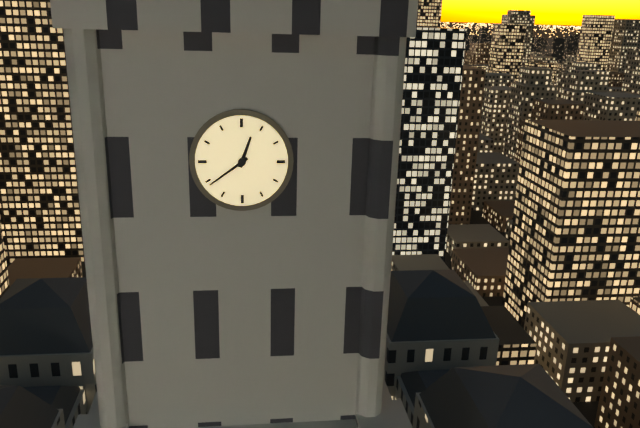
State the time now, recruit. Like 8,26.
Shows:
12,39
